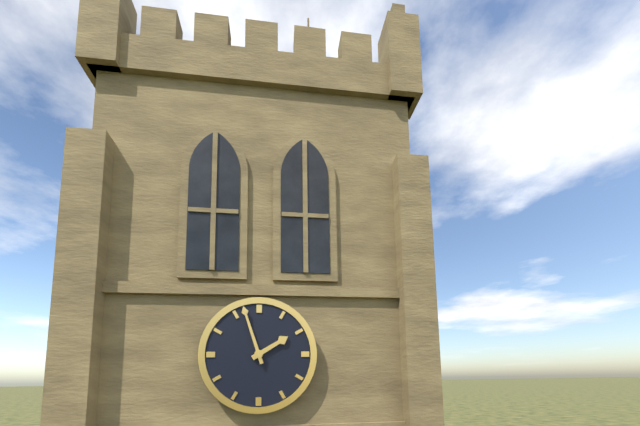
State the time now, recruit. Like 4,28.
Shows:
1,57
